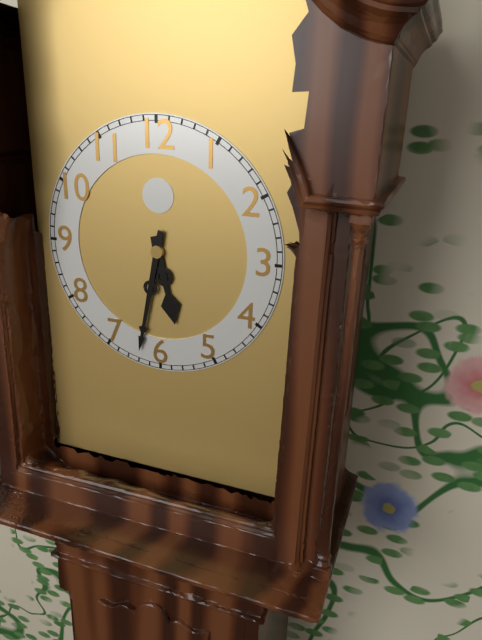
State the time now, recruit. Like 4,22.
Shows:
5,32
